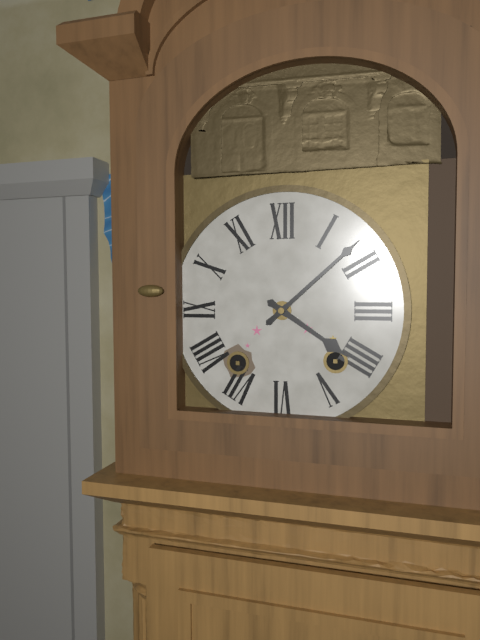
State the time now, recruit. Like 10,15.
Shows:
4,08
